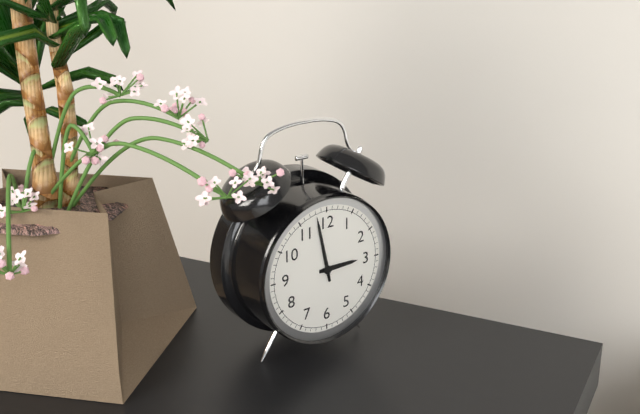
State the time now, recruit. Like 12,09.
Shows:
2,58
